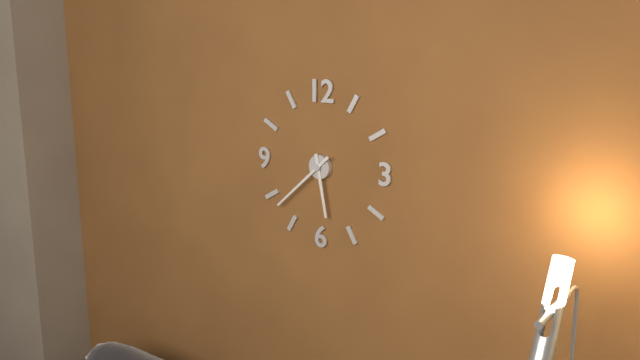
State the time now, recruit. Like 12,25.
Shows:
5,38
